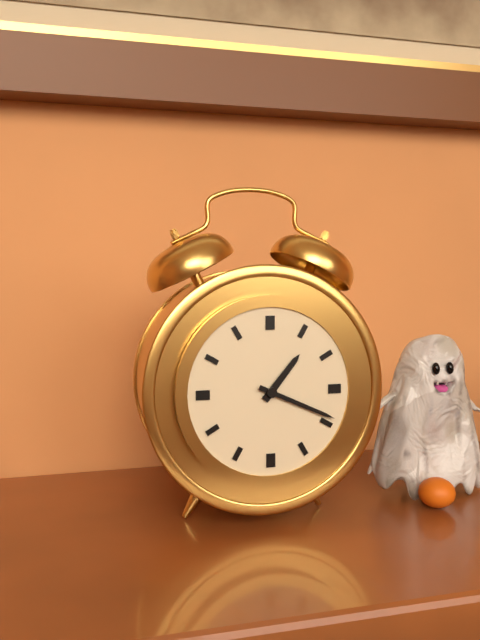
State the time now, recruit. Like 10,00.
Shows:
1,19
